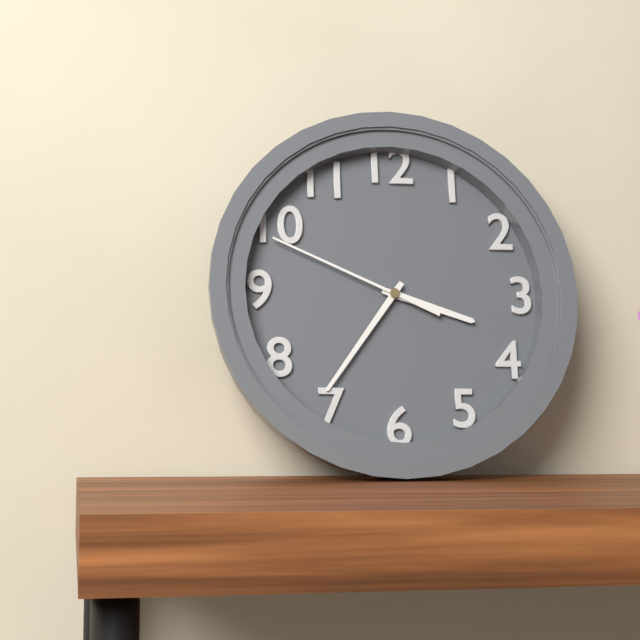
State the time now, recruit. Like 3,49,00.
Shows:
3,36,49
